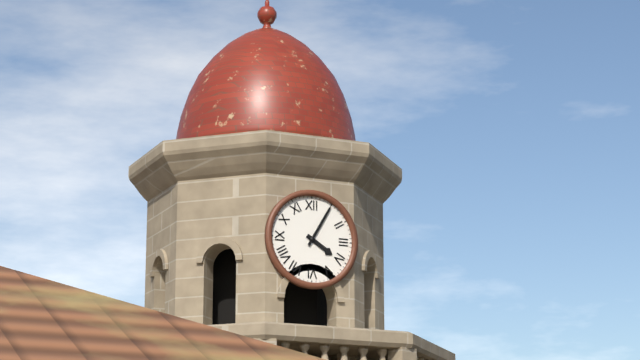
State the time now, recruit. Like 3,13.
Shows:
4,05
